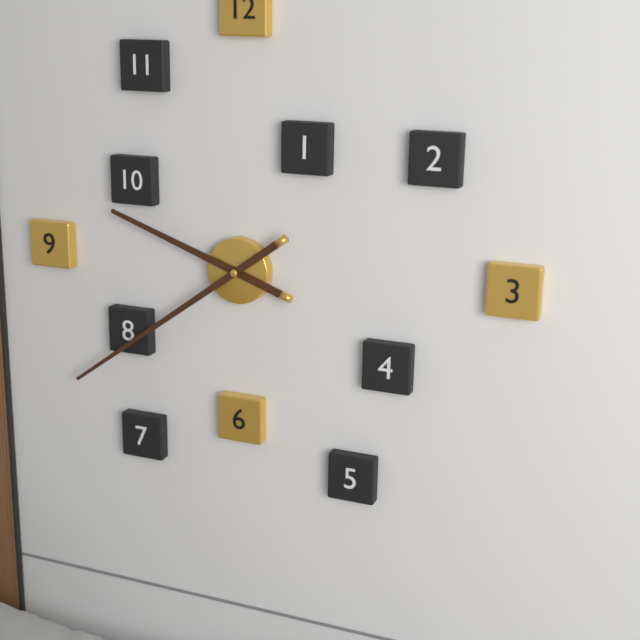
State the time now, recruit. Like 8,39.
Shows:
9,39
